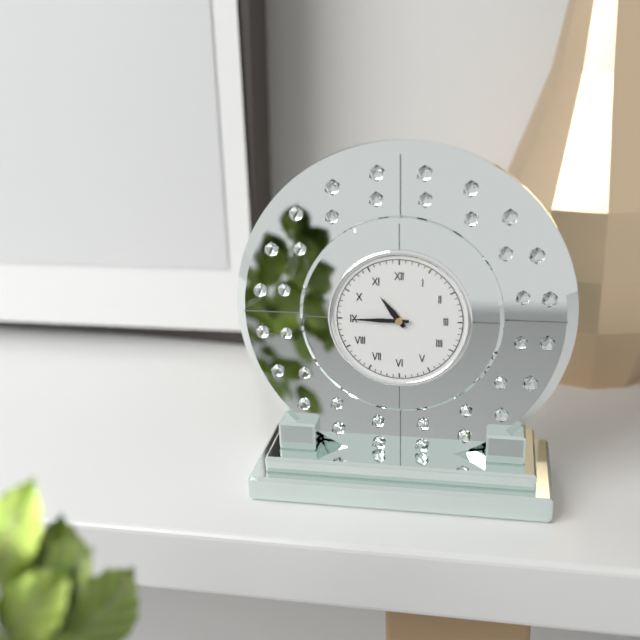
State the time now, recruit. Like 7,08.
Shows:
10,45
